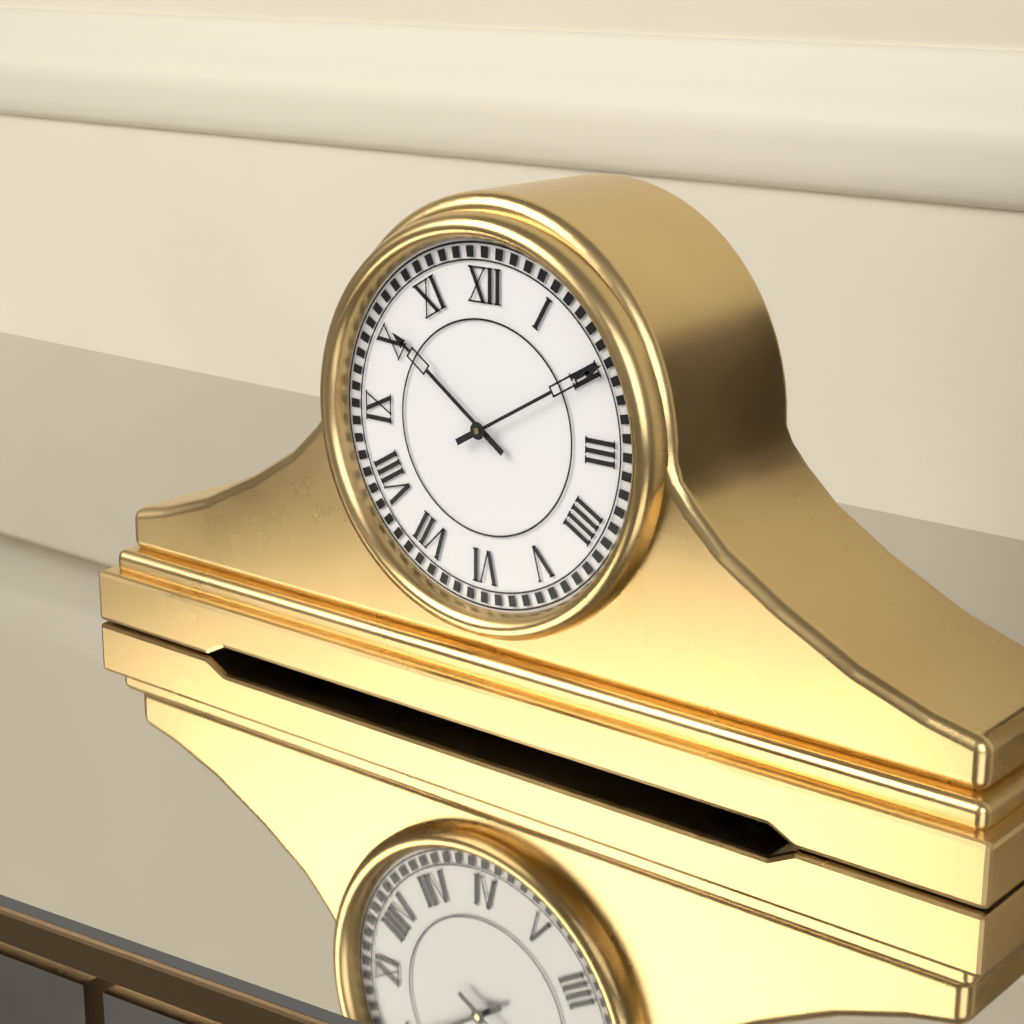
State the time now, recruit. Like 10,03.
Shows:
10,10
